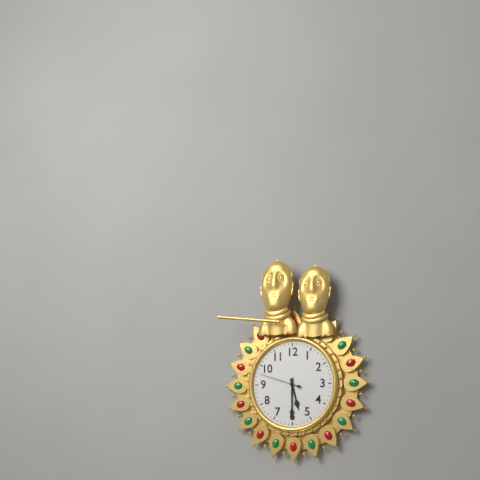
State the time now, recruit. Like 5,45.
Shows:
5,30
